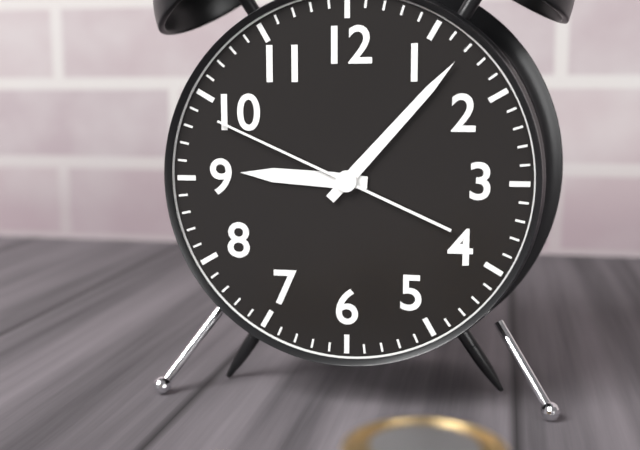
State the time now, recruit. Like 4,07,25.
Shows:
9,07,49
